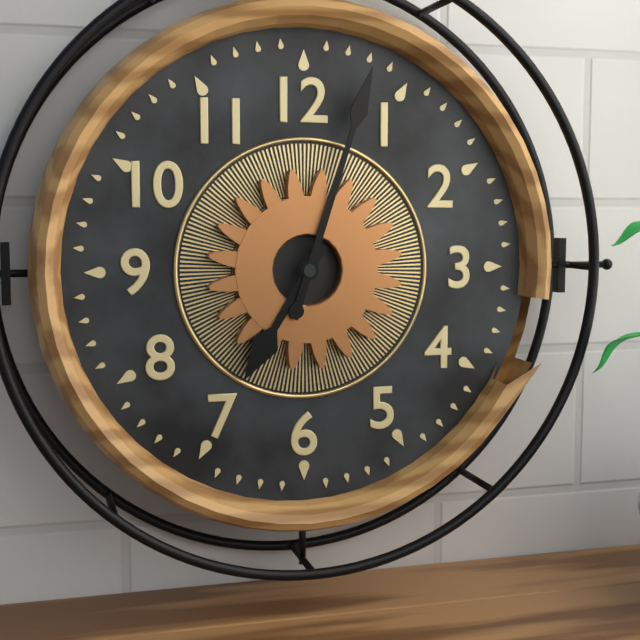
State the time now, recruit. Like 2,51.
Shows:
7,03
